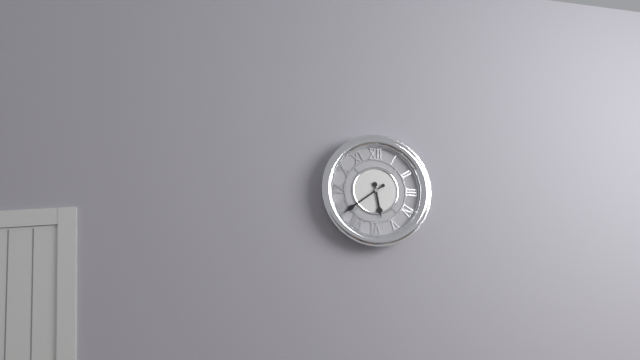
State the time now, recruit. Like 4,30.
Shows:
5,39
